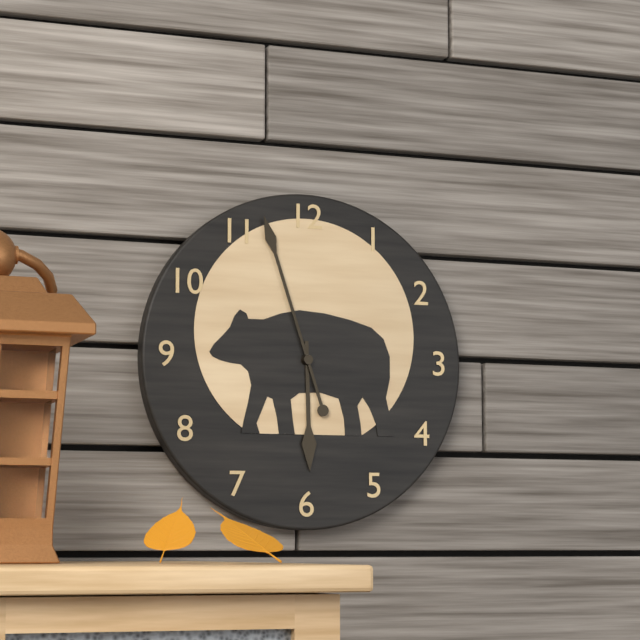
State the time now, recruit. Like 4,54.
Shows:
5,57
